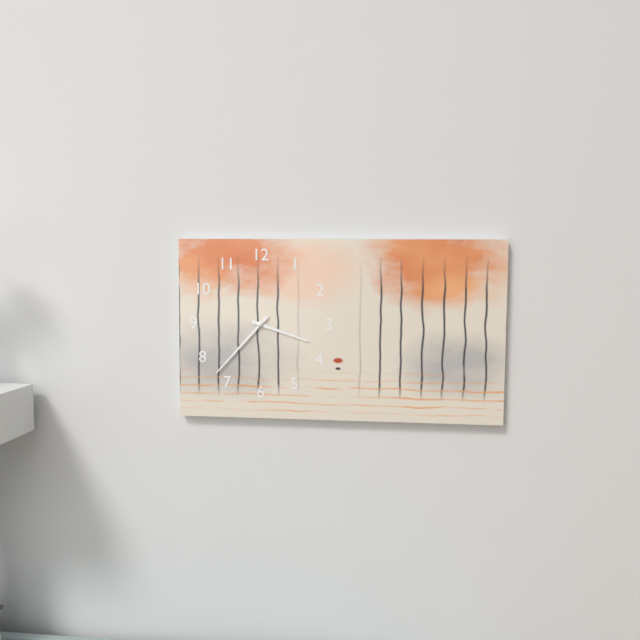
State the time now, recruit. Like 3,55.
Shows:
3,37
